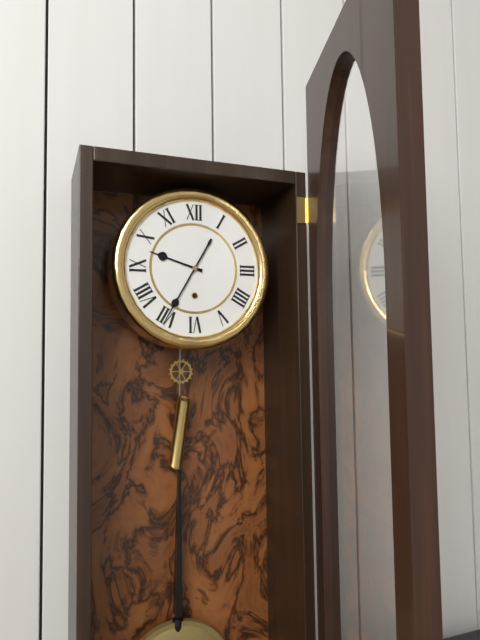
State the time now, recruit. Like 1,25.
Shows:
9,35
